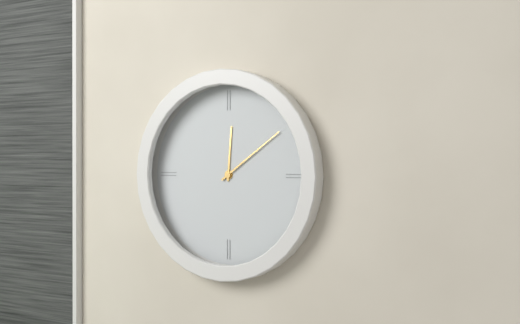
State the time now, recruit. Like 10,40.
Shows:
12,09
